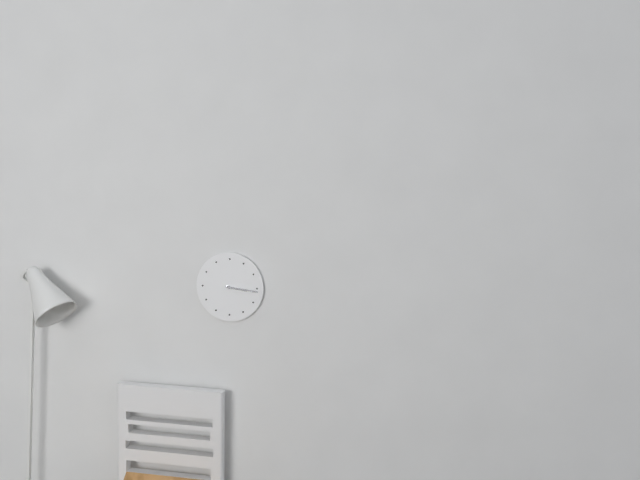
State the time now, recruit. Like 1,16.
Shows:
3,16
